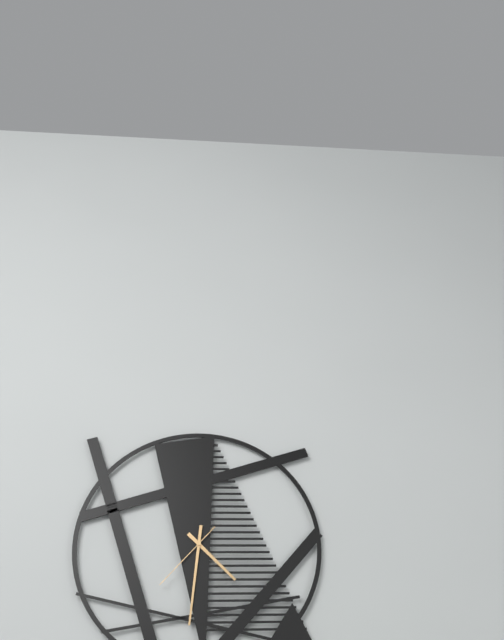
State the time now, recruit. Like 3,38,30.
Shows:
4,31,37
